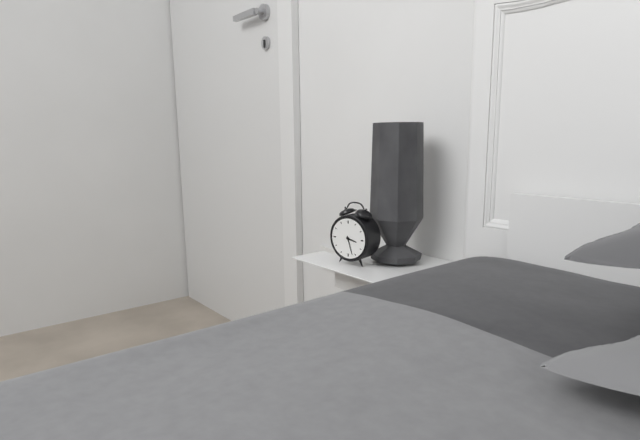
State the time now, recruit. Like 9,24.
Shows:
3,27
